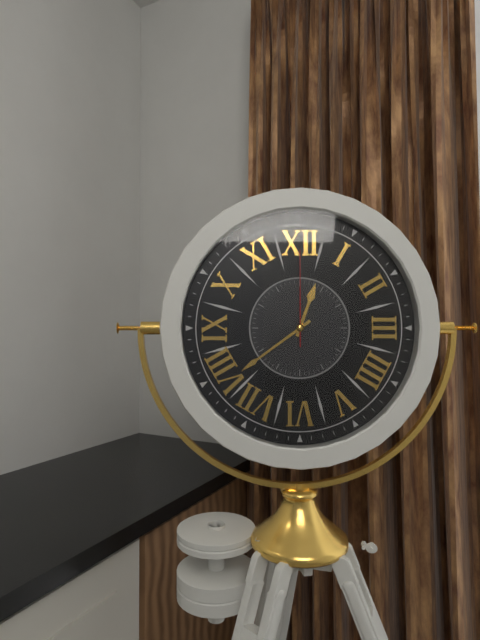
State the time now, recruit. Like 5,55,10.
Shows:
12,39,00
